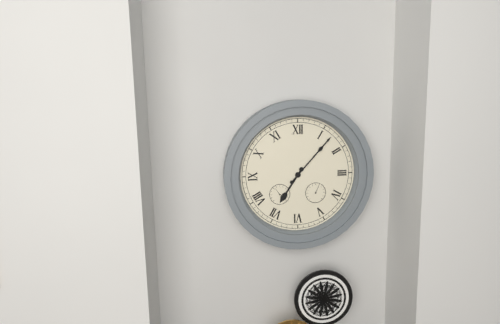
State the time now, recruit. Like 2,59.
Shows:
7,07
